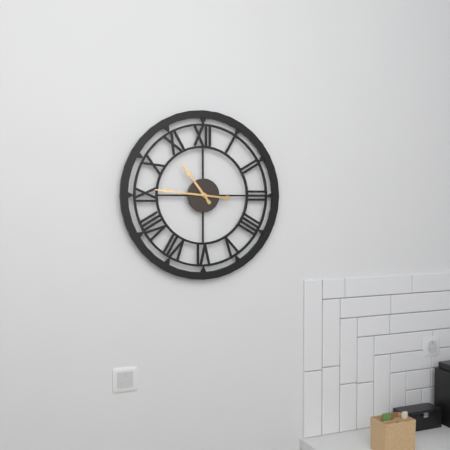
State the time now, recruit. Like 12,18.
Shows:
10,46
